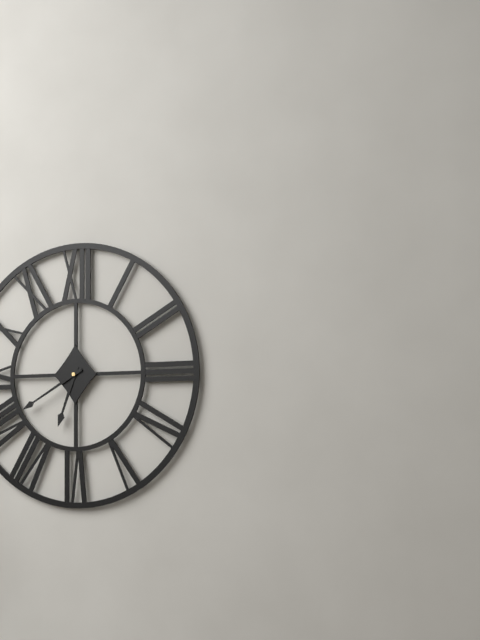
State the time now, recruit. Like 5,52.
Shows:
6,40
